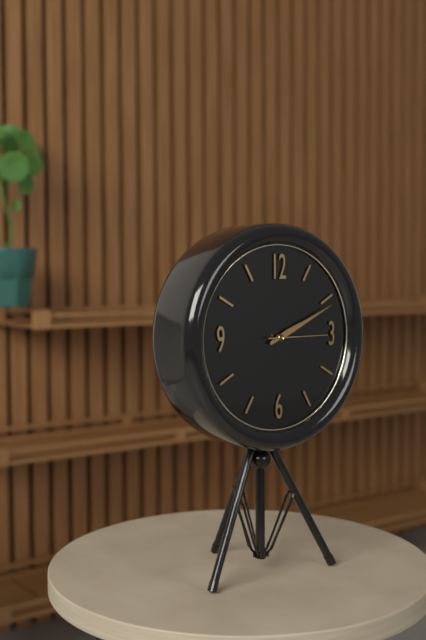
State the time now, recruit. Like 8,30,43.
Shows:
2,11,15
